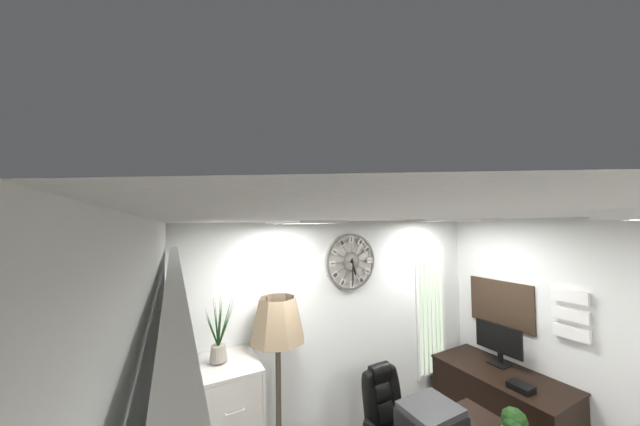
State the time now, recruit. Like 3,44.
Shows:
5,30
